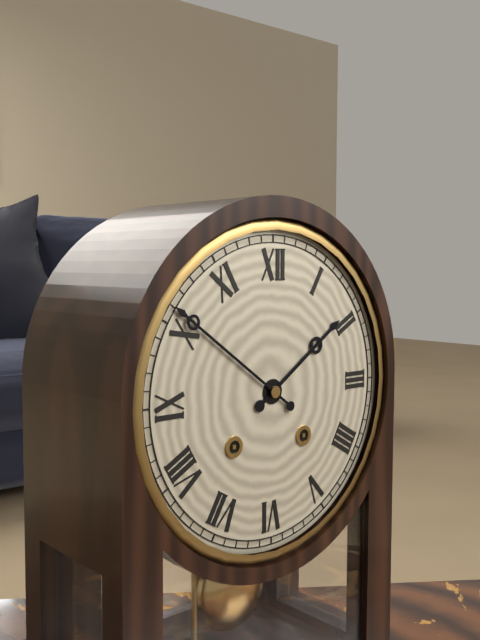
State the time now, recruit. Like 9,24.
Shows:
1,51
